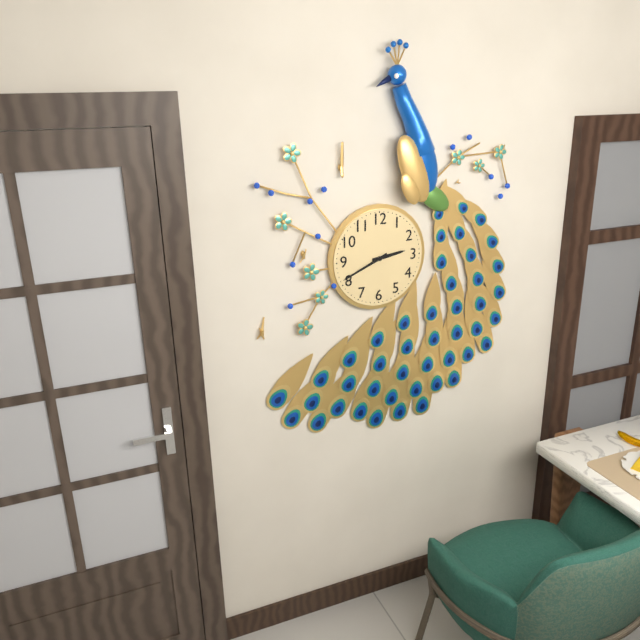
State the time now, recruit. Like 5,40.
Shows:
2,41
